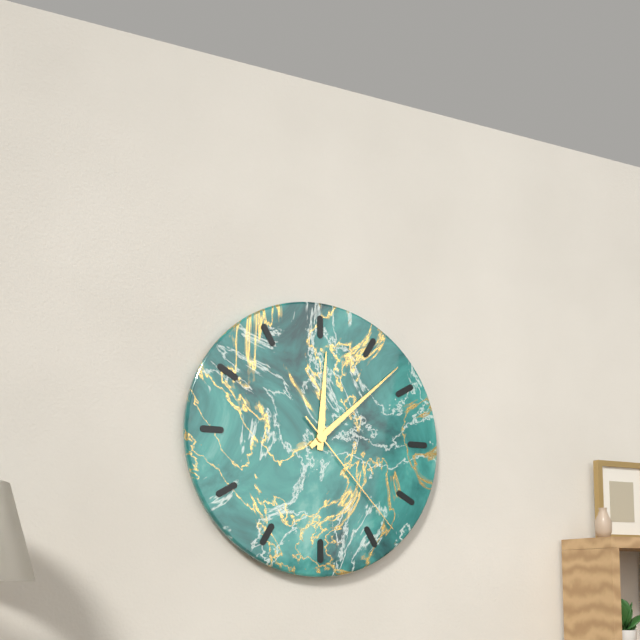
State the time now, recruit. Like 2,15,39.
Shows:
12,08,23
